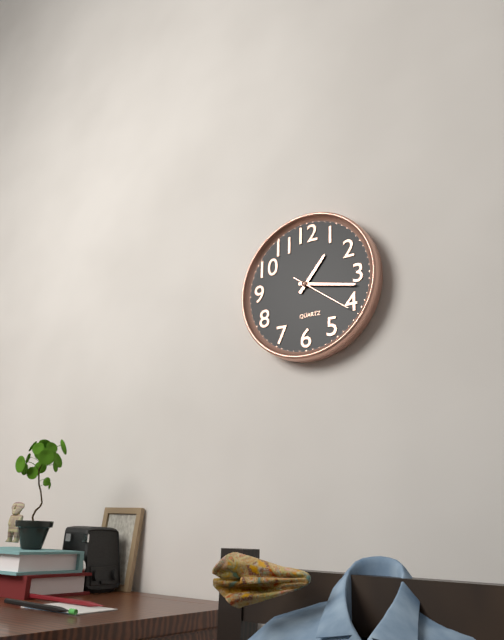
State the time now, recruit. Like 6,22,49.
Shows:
1,17,21
